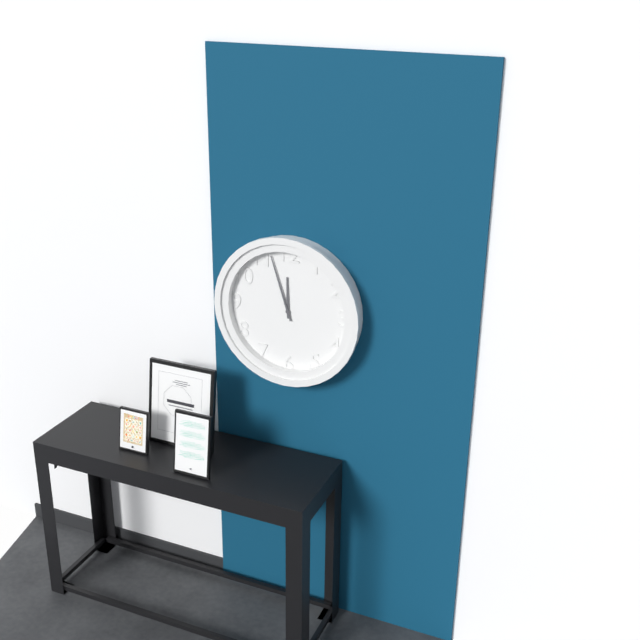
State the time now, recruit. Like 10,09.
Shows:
11,57
